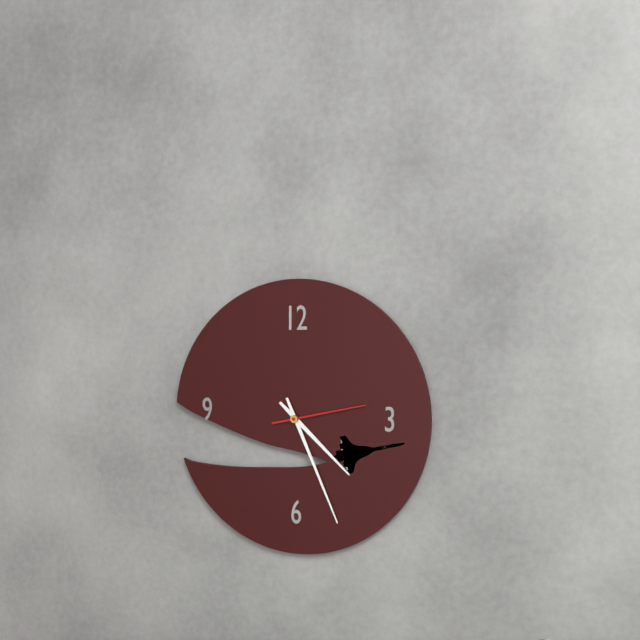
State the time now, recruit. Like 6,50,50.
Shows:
4,26,13
